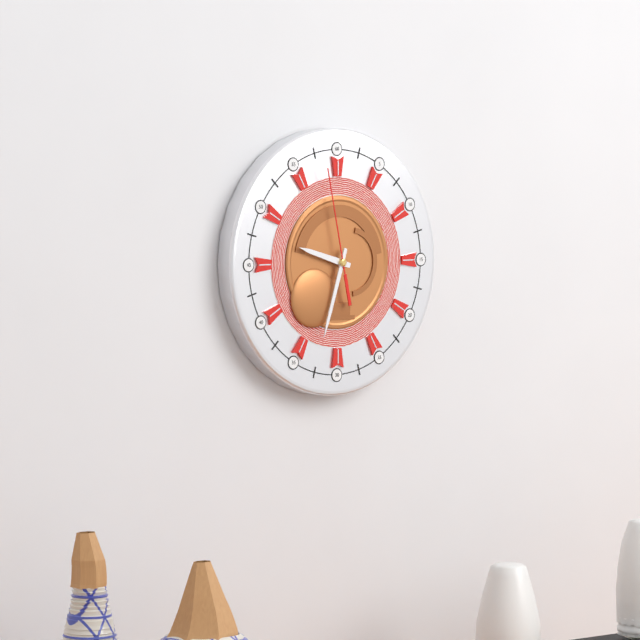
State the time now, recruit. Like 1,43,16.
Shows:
9,33,58
